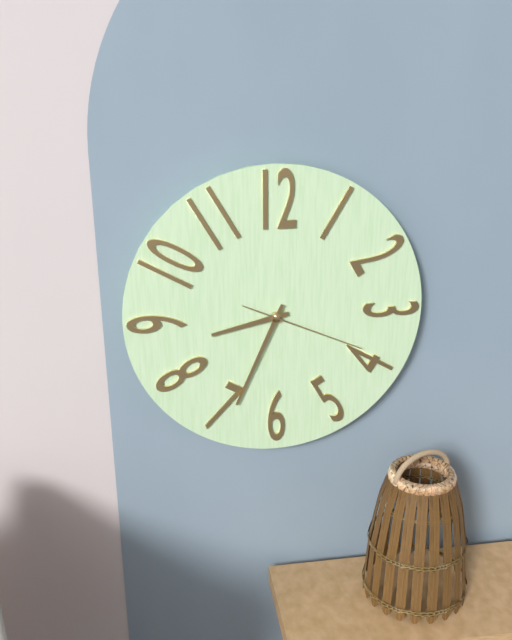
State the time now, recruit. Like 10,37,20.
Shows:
8,34,19
